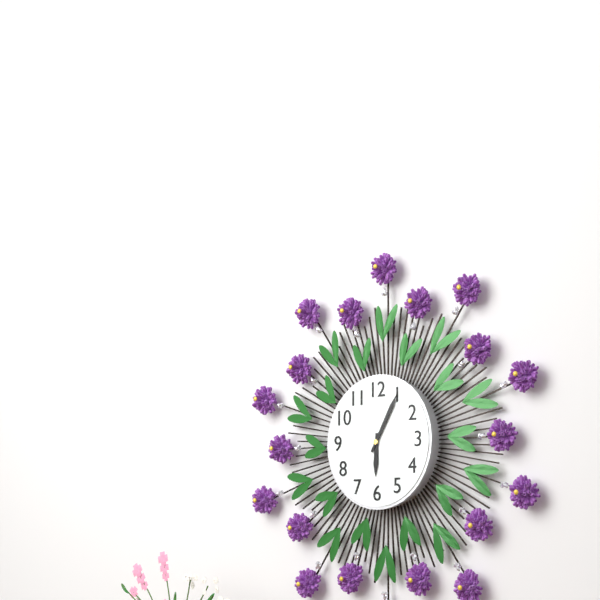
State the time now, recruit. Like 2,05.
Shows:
6,05
